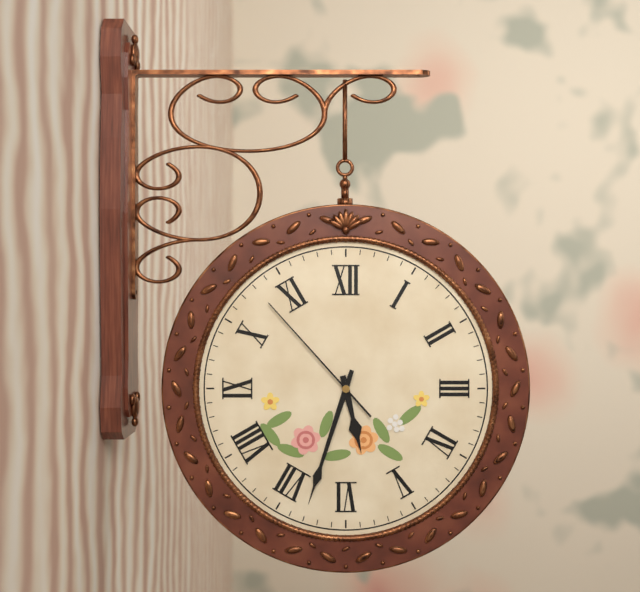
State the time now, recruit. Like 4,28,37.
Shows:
5,33,53
